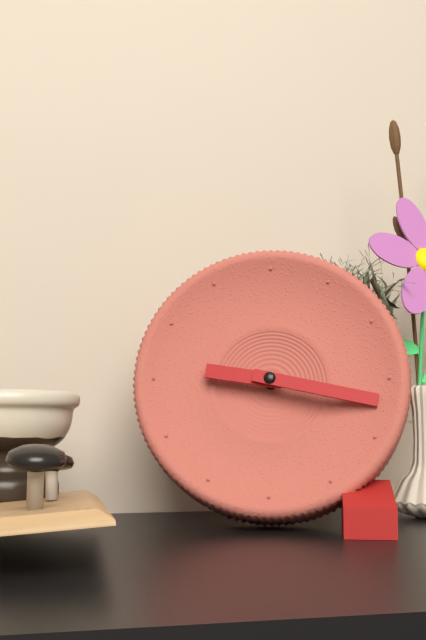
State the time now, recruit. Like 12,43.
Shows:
9,17
